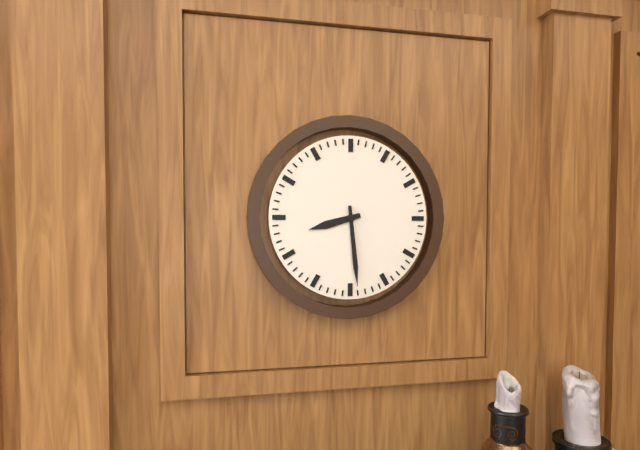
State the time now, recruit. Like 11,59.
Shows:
8,29
